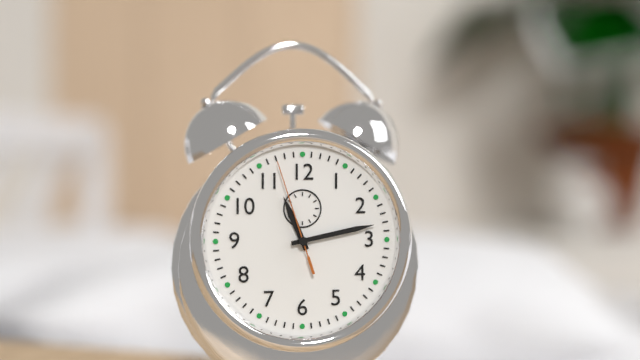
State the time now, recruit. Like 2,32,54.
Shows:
11,13,57
